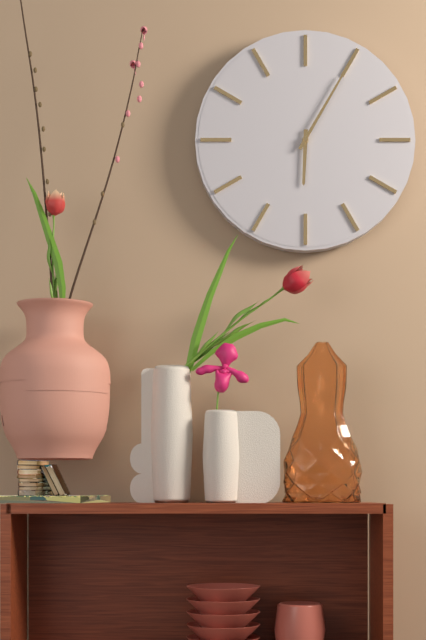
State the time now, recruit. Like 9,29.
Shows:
6,05
